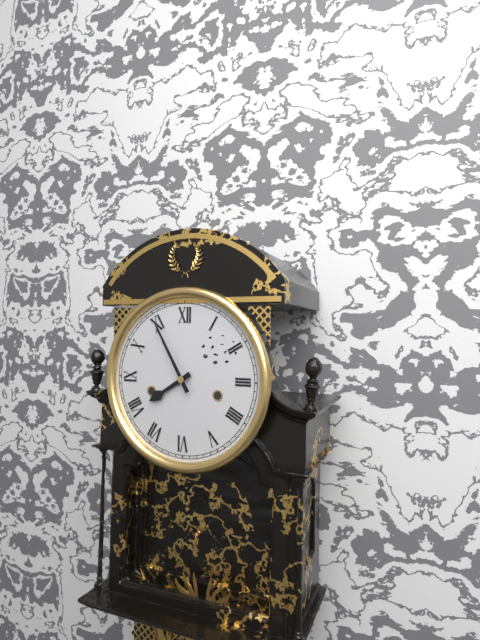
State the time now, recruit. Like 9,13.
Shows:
7,55
